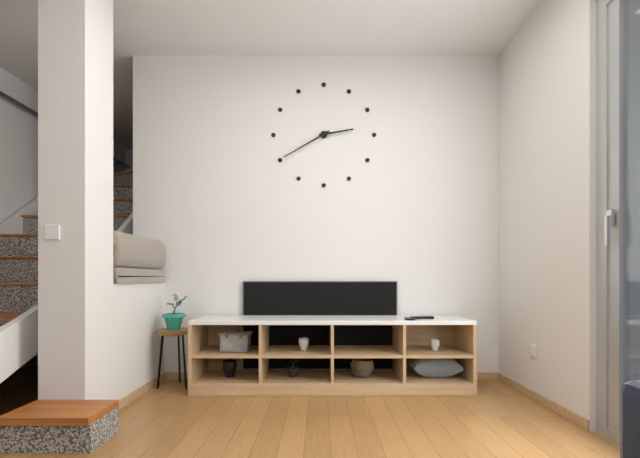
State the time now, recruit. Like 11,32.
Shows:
2,40
